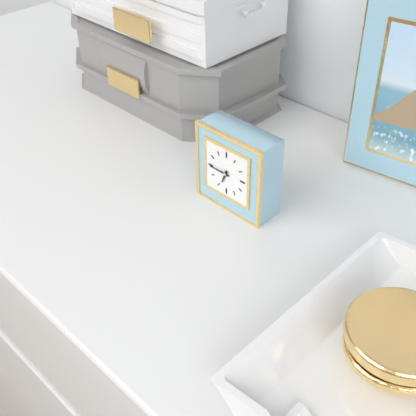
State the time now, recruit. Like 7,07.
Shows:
6,45
